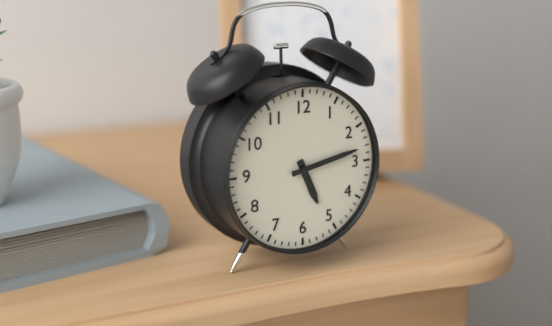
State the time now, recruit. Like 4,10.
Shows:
5,13
